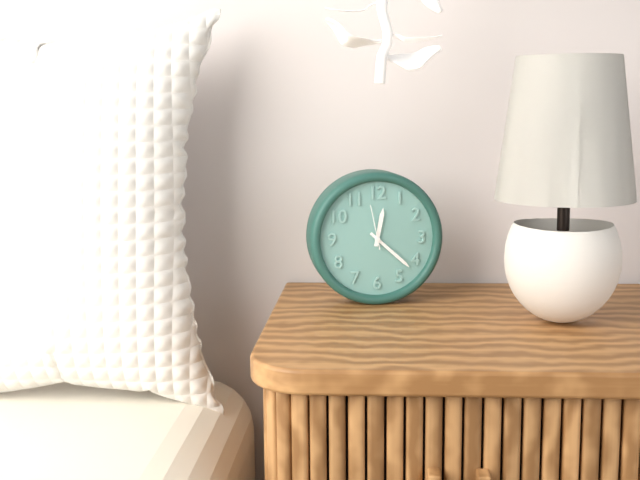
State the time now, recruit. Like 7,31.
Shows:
12,22
